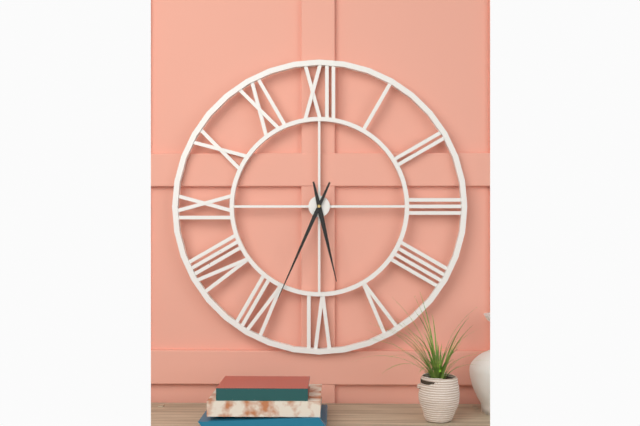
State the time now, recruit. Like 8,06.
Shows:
5,34
